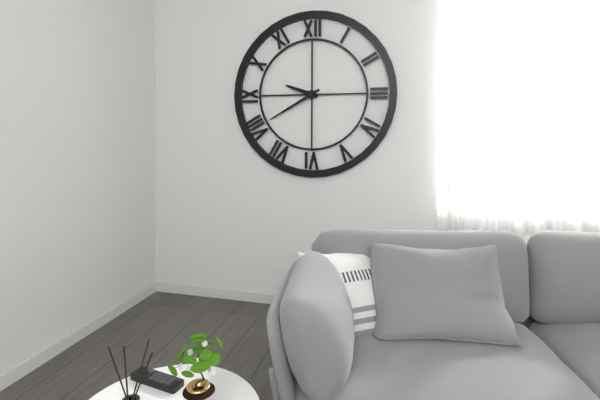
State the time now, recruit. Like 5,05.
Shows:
9,40
